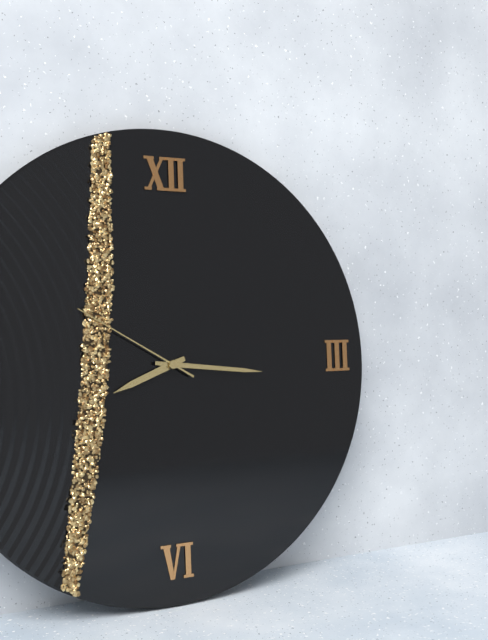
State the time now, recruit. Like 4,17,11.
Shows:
8,16,50
